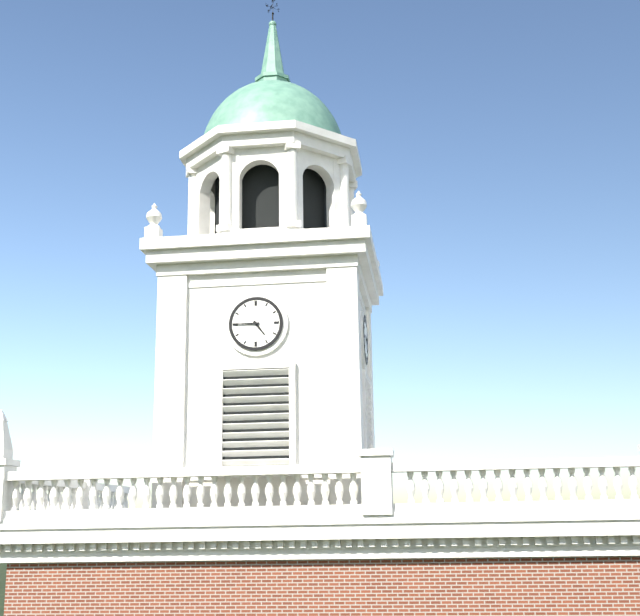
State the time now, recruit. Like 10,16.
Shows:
4,45
